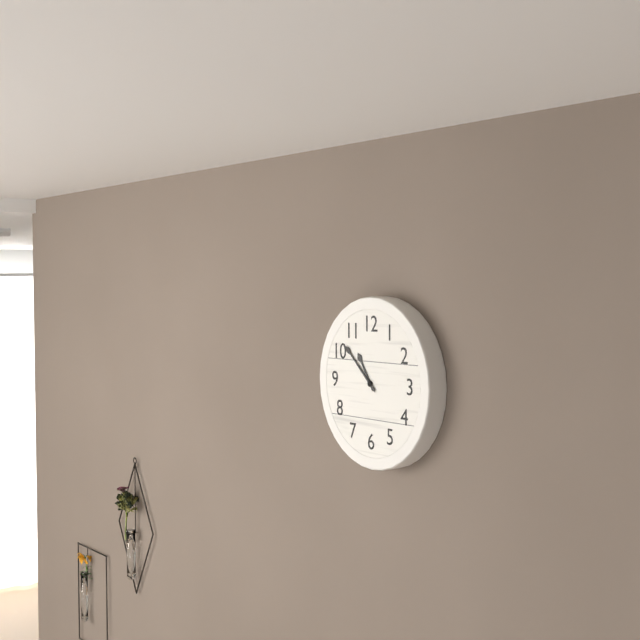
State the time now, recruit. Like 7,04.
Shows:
10,52
